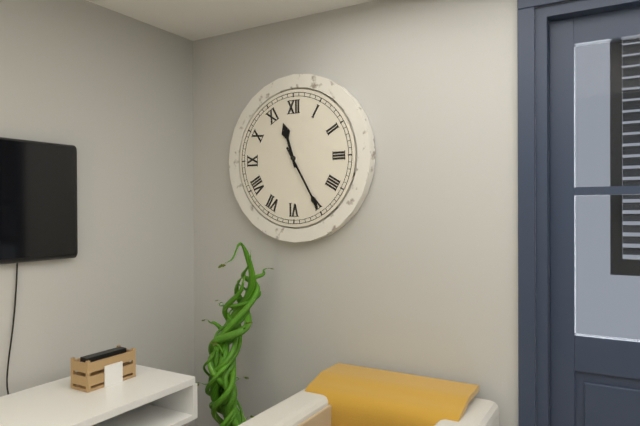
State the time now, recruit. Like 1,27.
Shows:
11,25
